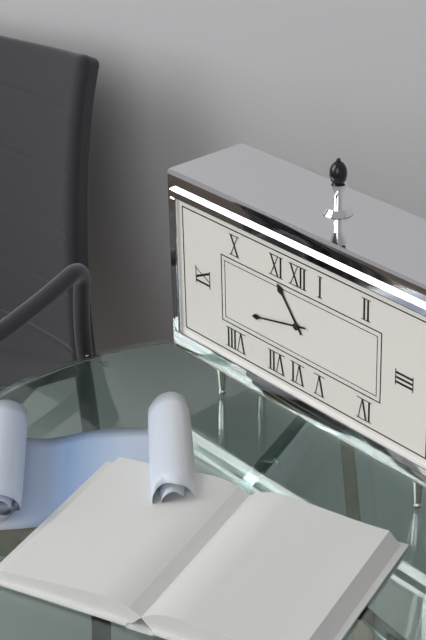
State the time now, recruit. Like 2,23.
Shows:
10,43
